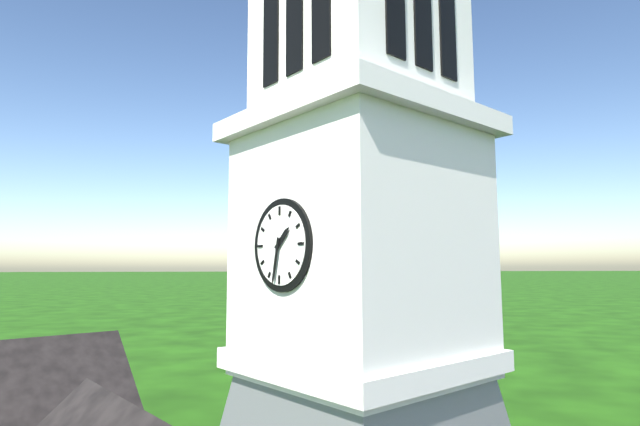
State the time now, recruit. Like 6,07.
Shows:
1,32
